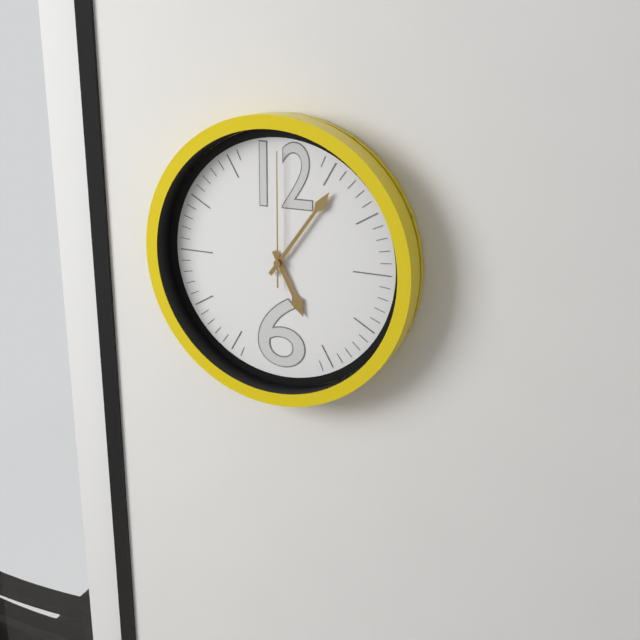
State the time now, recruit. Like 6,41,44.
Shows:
5,06,00
